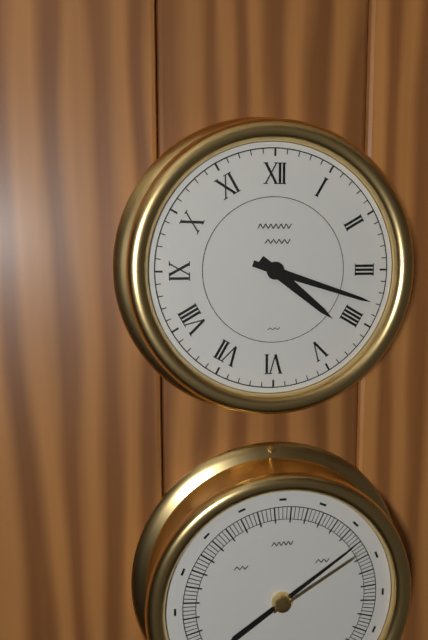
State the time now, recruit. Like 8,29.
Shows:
4,18
